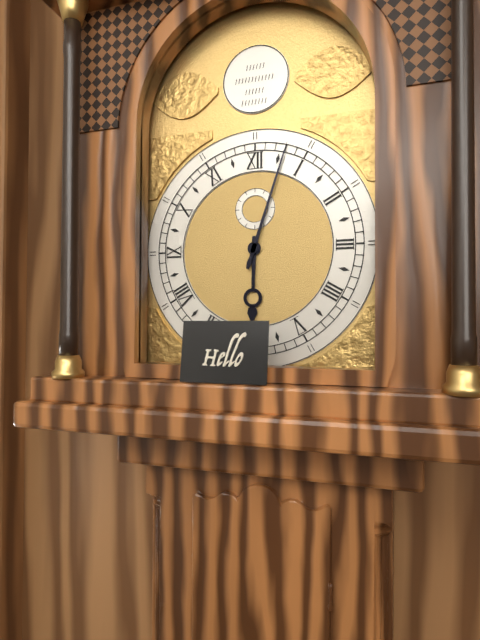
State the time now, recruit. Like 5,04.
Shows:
6,03
